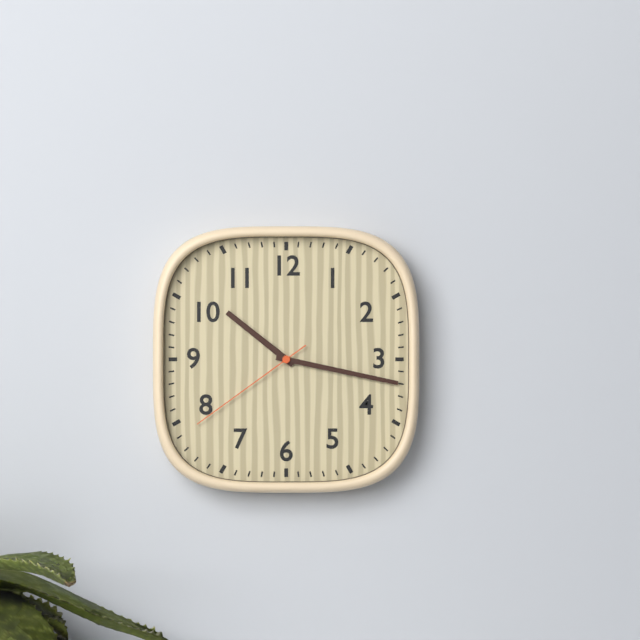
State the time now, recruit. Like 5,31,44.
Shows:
10,17,39
